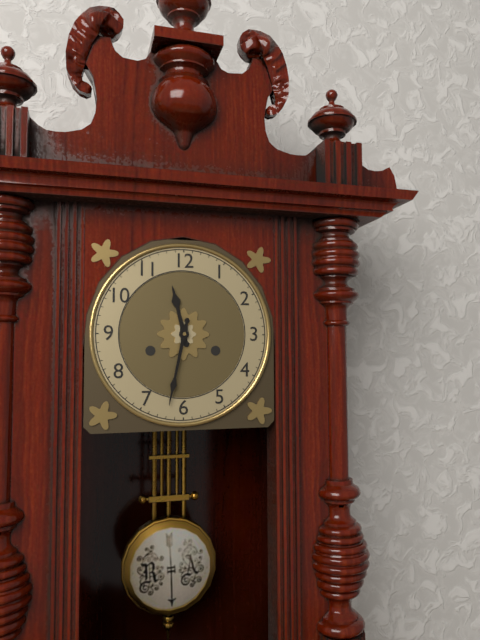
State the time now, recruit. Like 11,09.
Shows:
11,32
